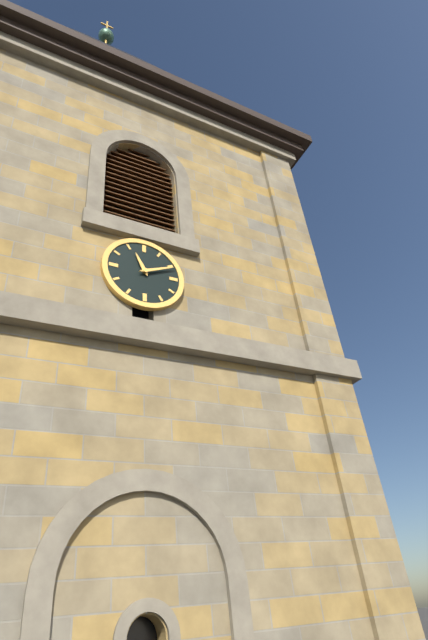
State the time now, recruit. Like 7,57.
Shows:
11,11
